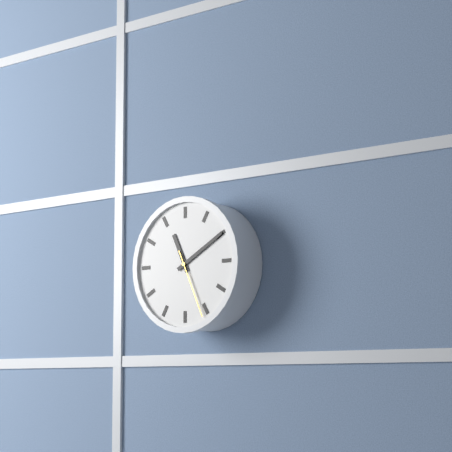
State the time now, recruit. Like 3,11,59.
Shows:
11,10,26
